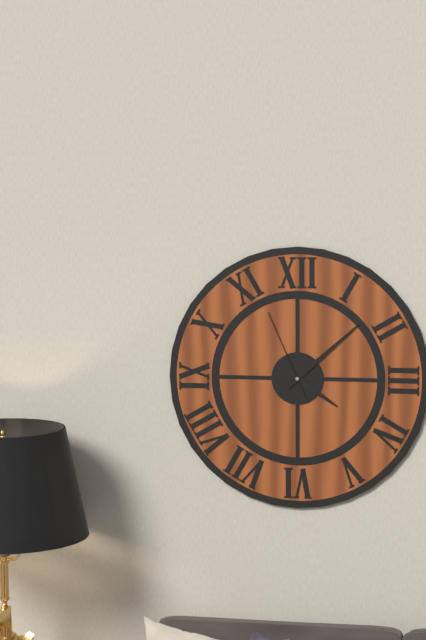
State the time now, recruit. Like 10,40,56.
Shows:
4,08,56
